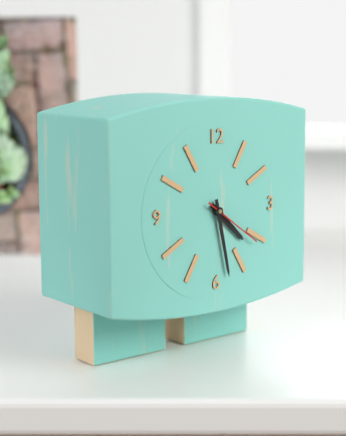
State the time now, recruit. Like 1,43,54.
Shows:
4,28,21
